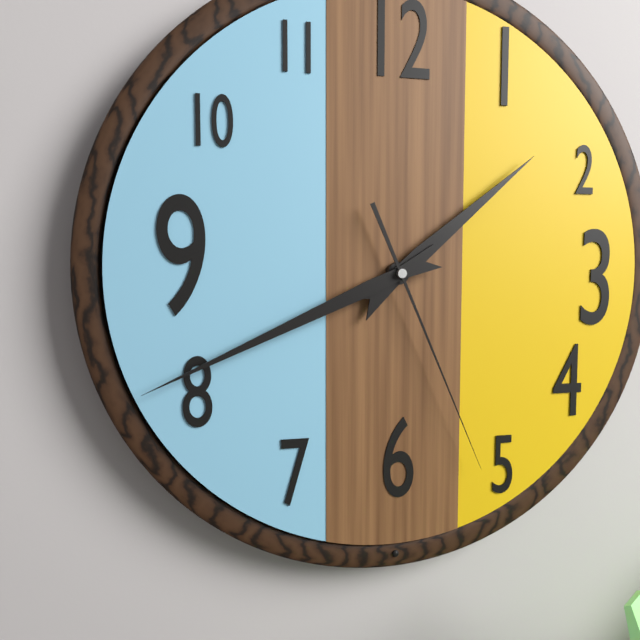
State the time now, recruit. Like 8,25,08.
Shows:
1,41,26
